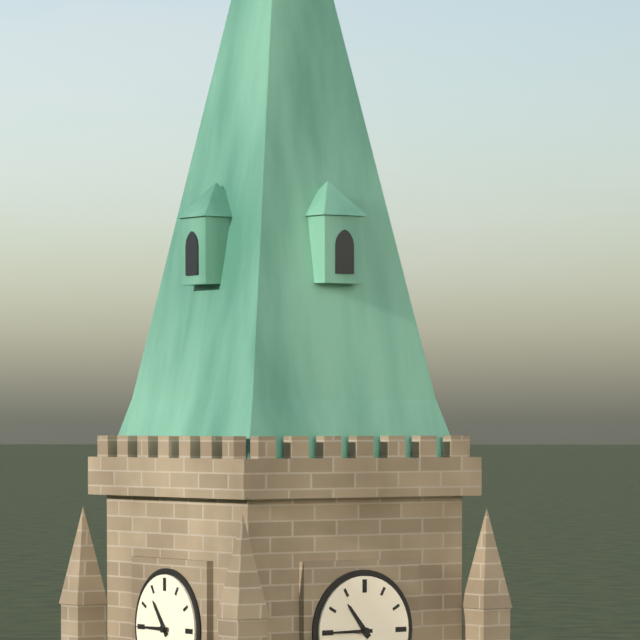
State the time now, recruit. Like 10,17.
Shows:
10,45
